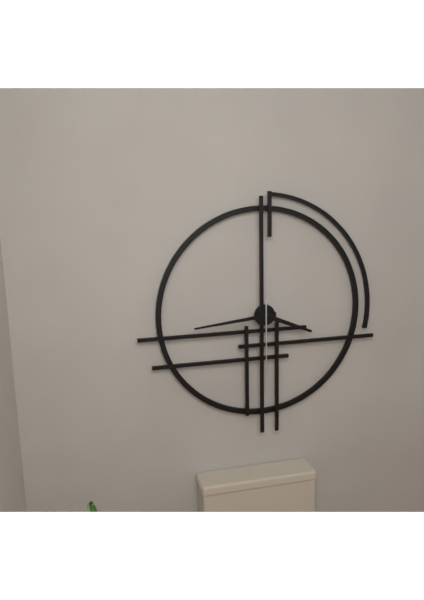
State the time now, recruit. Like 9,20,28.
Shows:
3,44,30
